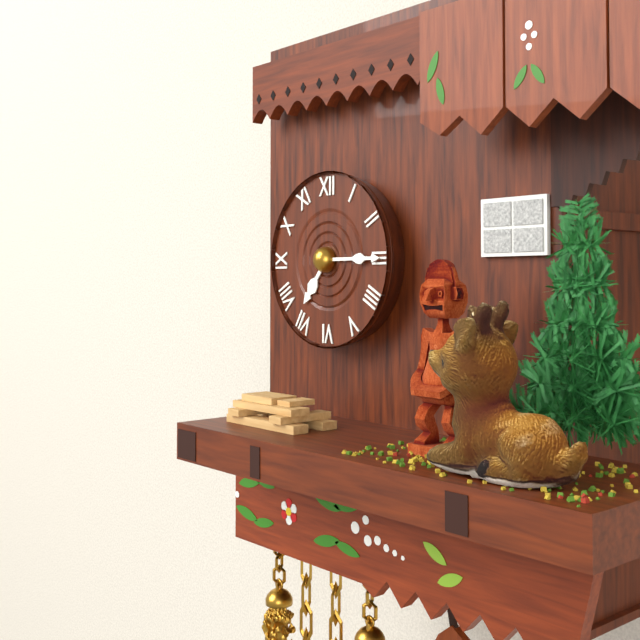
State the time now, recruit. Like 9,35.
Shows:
7,15
